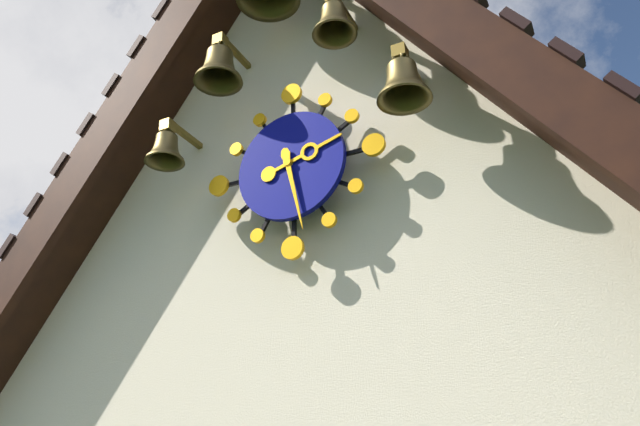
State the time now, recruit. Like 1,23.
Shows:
2,28
